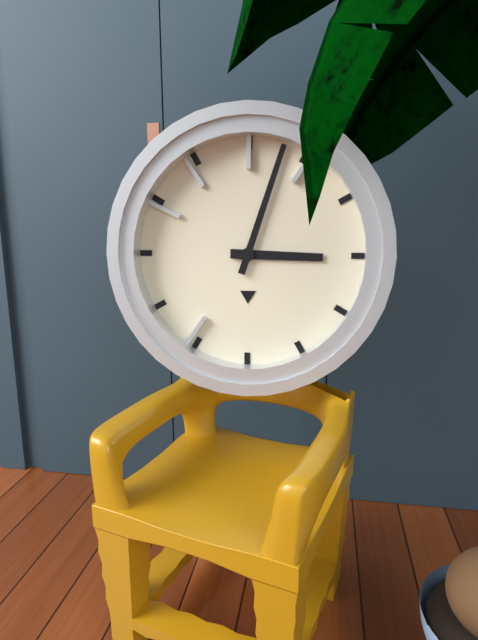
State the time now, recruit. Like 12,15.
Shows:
3,03
